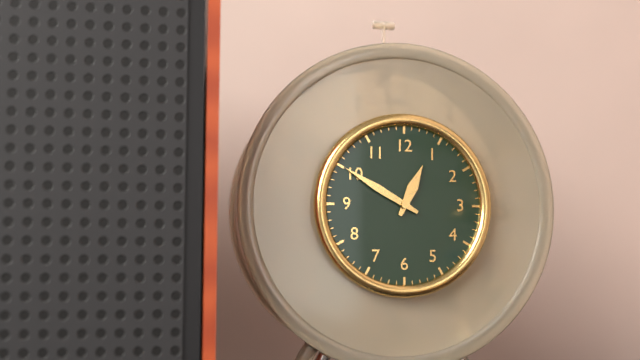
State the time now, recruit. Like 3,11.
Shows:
12,50
